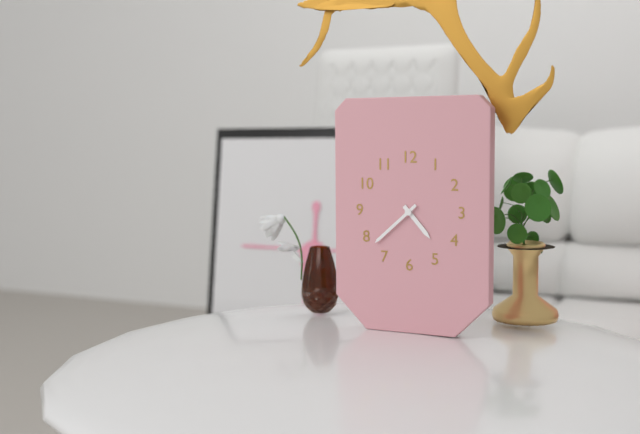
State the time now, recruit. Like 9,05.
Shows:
4,38
